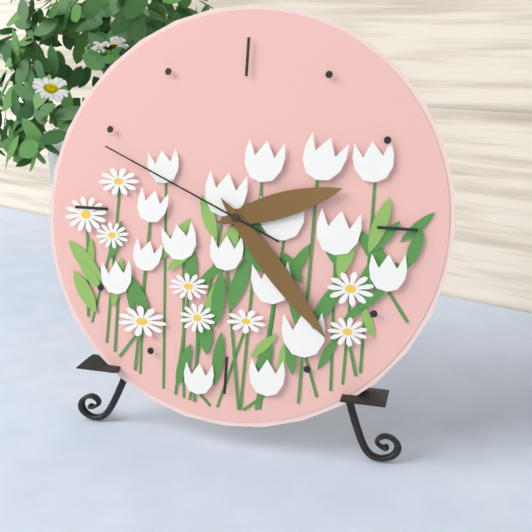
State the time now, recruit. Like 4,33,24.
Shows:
2,23,49
